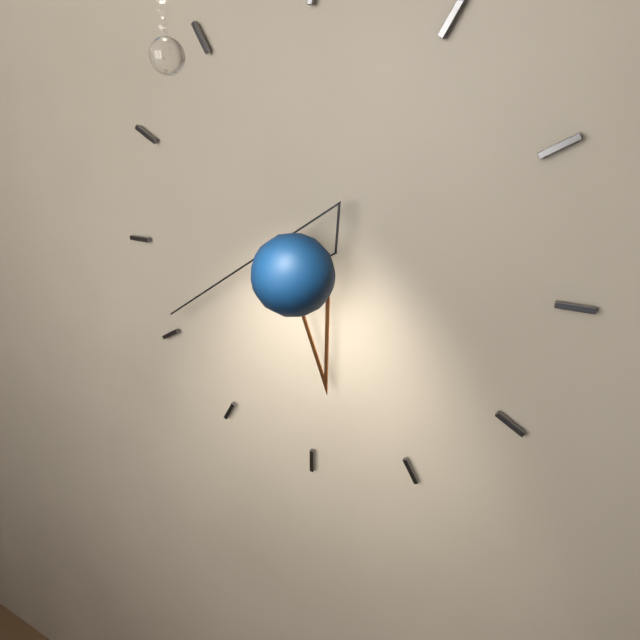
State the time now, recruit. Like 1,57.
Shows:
5,41
